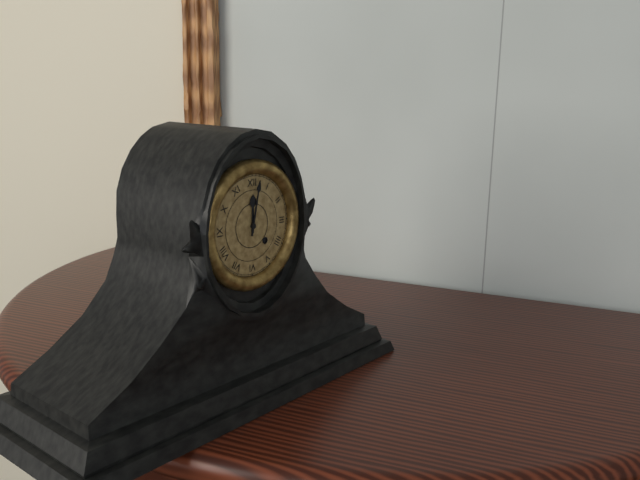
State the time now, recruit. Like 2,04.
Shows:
12,02
